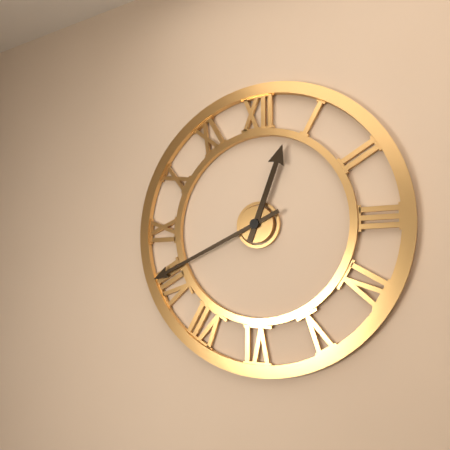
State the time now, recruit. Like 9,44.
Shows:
12,41
